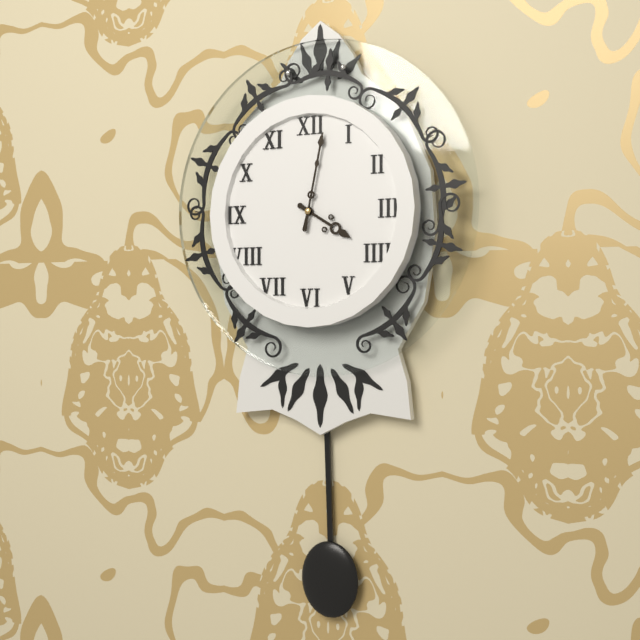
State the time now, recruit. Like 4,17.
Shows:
4,02
